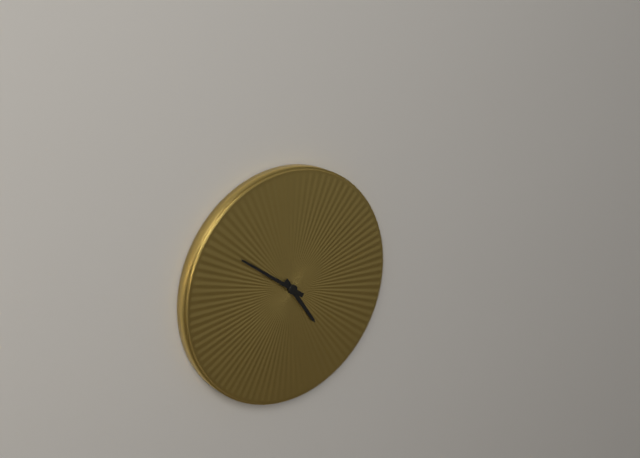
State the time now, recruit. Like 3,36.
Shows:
4,51
